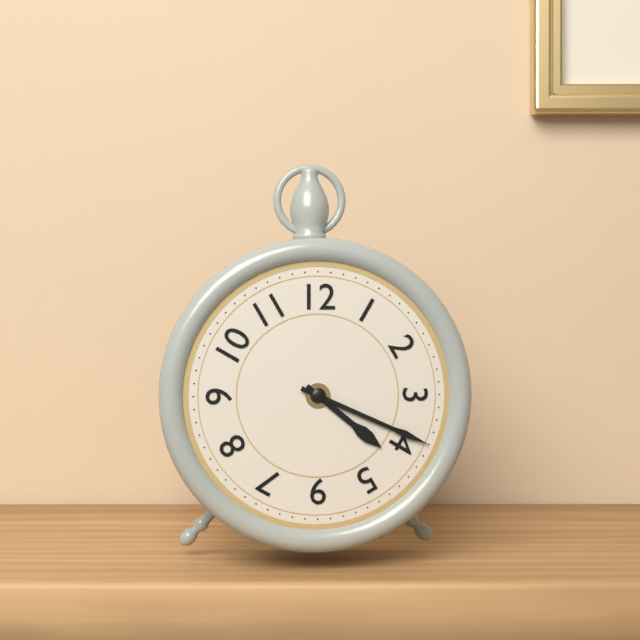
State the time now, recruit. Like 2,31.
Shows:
4,19
